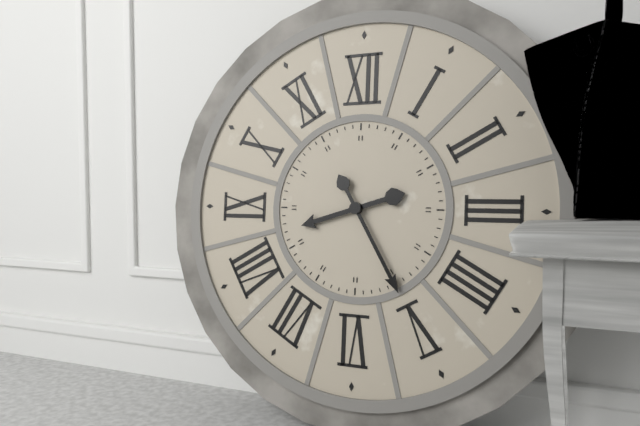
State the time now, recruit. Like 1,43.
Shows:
8,25
